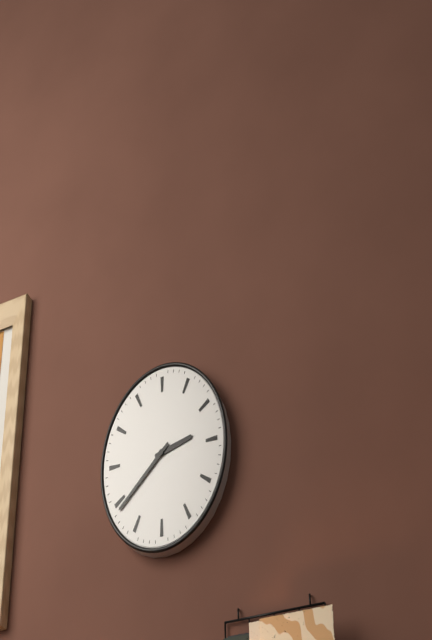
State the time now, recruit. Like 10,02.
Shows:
2,39
